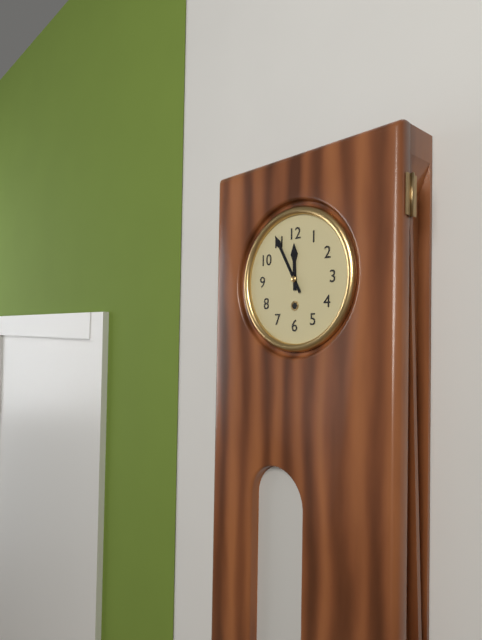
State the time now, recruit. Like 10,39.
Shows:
11,55
